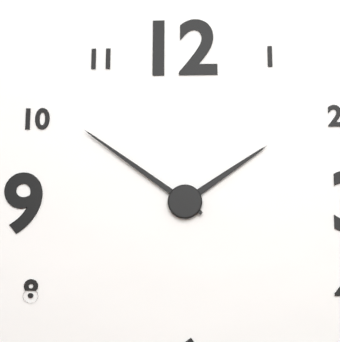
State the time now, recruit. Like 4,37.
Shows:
1,51
